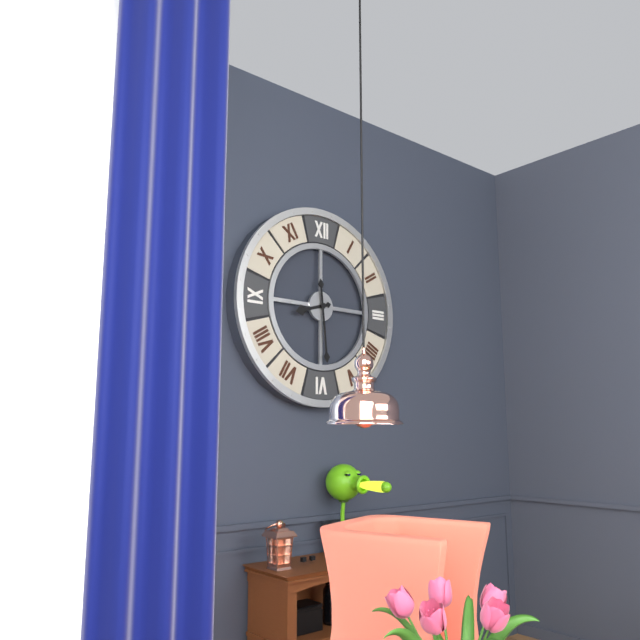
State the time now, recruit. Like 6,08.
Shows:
8,29
